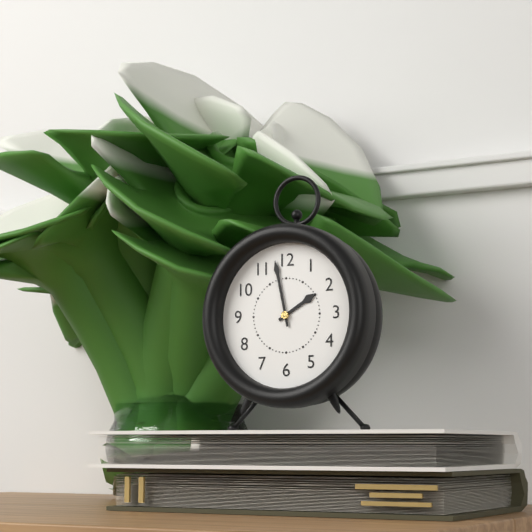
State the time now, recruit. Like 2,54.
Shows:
1,58
